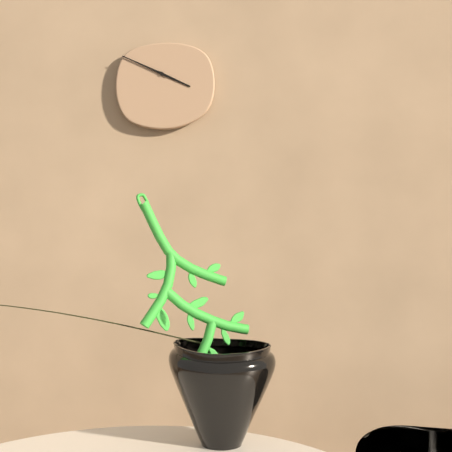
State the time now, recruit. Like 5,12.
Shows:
3,49
